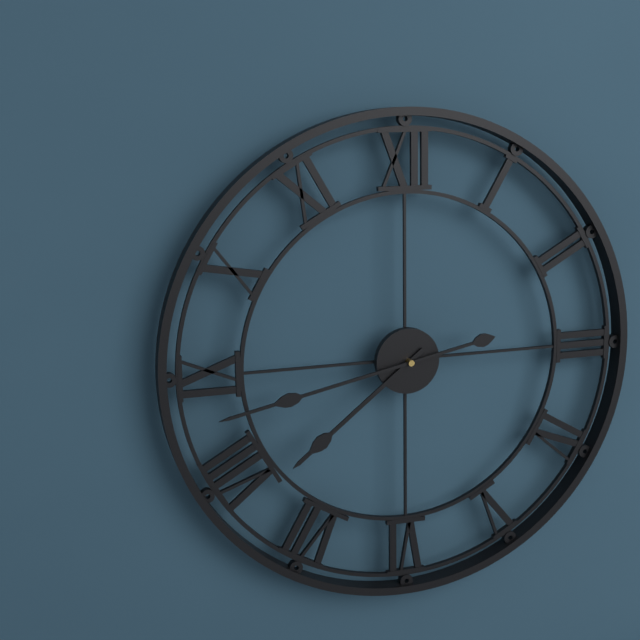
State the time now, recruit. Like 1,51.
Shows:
7,43
